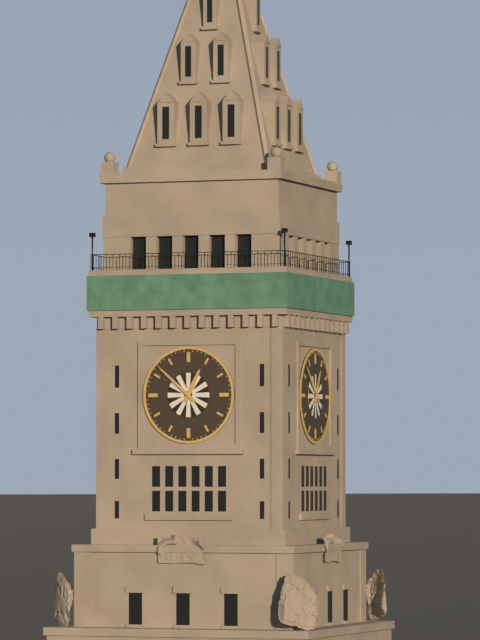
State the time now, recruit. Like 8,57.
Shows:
12,52
